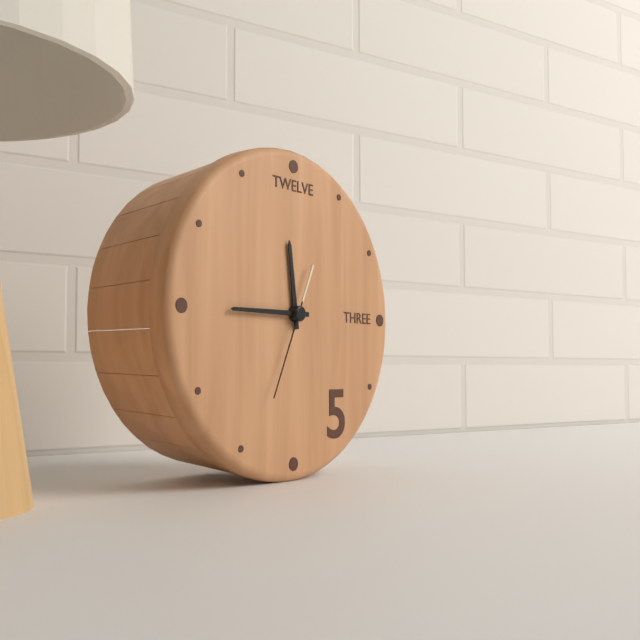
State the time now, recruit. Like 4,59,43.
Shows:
11,45,34
